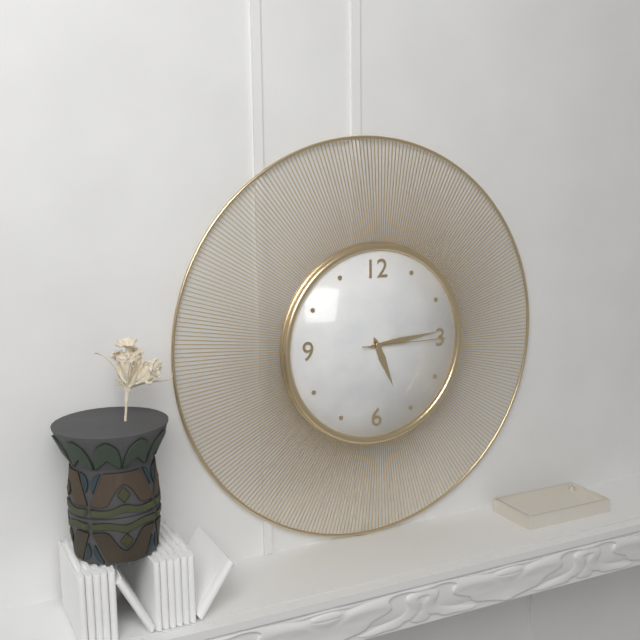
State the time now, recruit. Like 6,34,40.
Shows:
5,14,15
